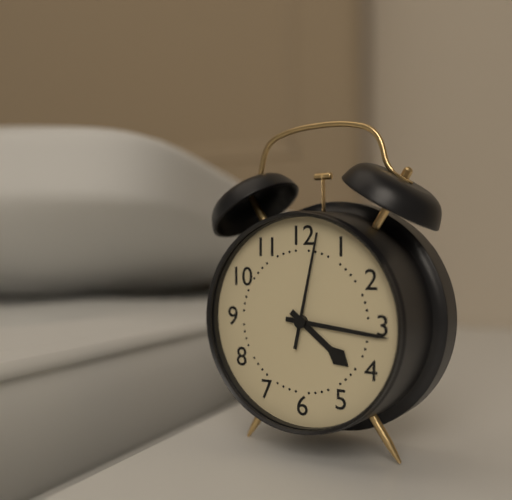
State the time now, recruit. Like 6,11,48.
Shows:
4,16,02
